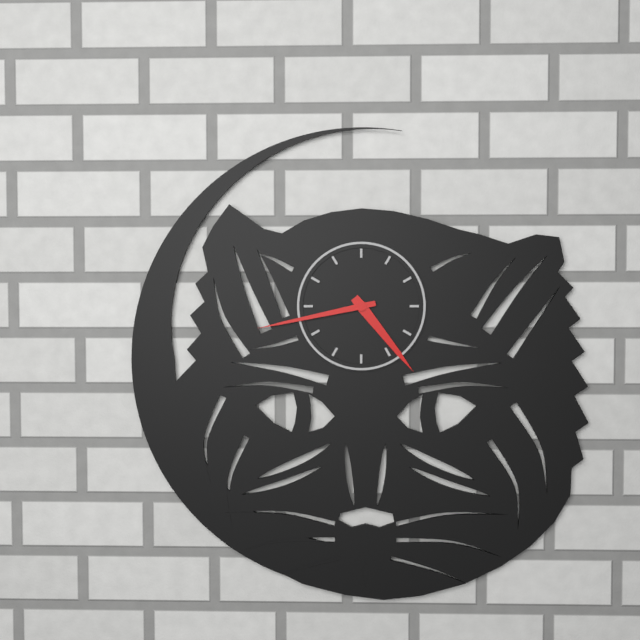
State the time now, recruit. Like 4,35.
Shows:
4,43
